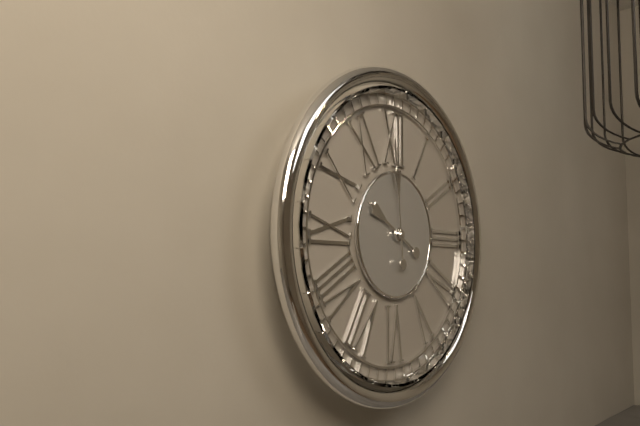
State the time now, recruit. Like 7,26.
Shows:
9,59
